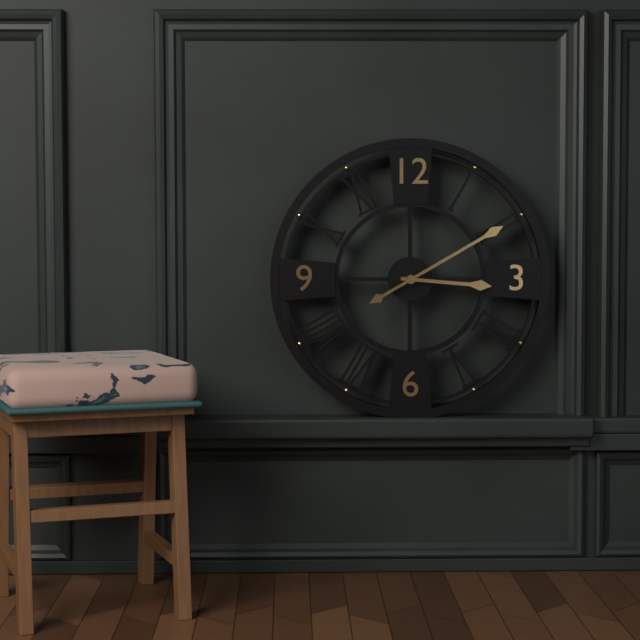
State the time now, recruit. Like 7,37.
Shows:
3,10
